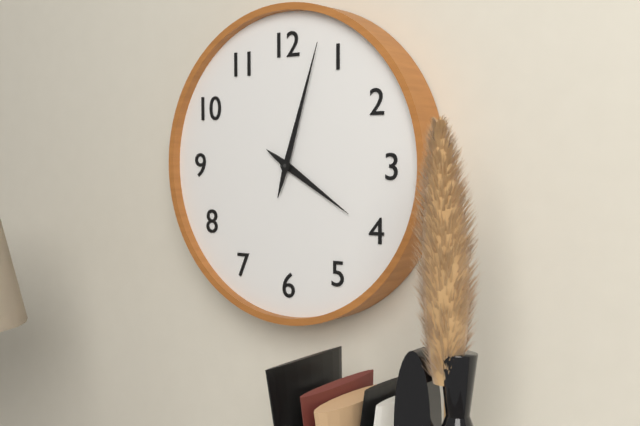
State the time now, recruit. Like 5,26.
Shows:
4,03
